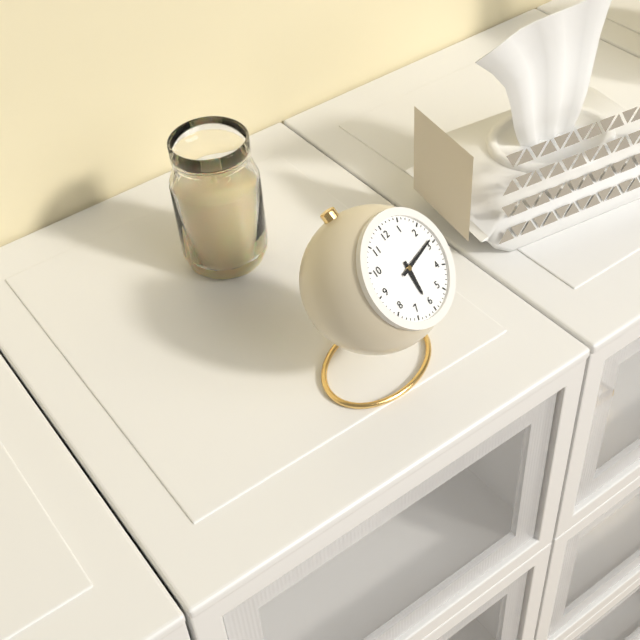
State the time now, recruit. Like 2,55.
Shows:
6,14
